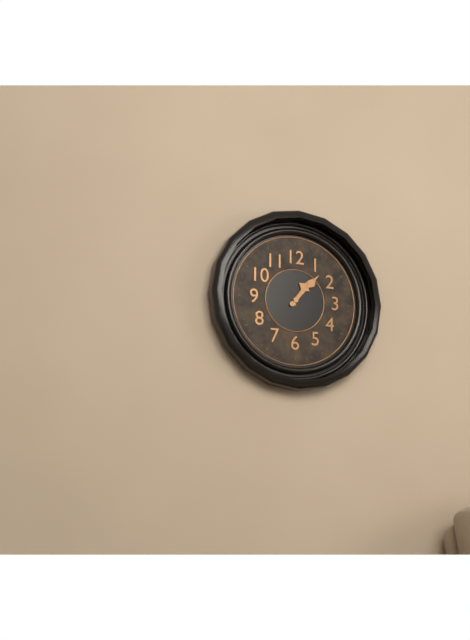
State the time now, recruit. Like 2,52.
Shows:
1,07
